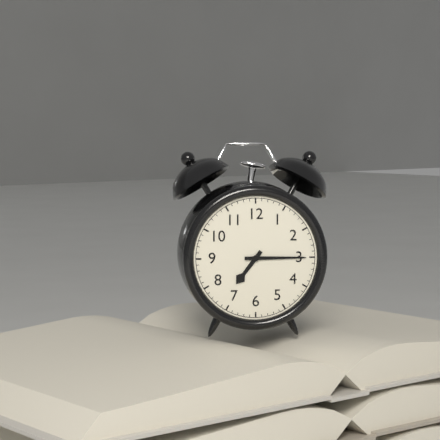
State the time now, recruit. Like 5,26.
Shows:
7,15
